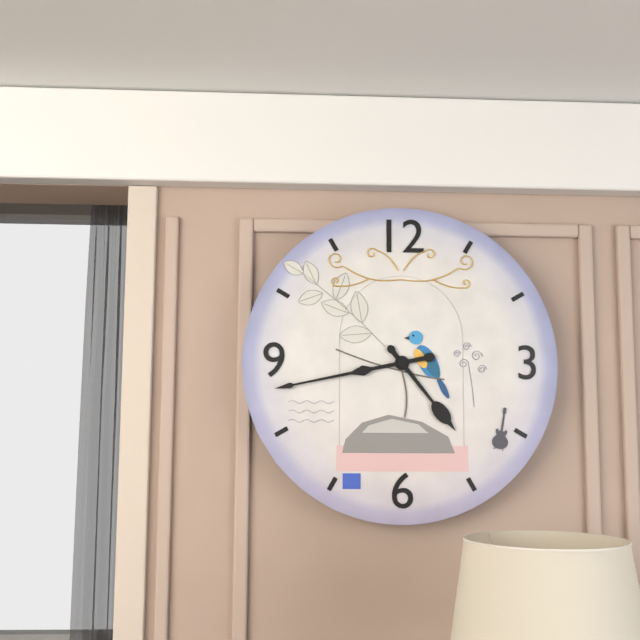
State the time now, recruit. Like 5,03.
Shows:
4,43
